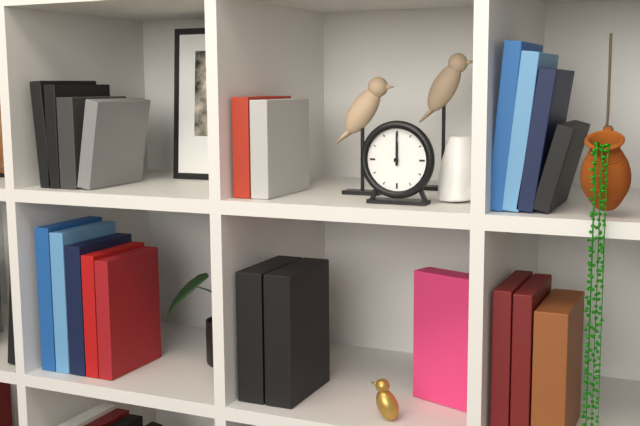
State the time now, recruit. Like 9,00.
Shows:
12,00
